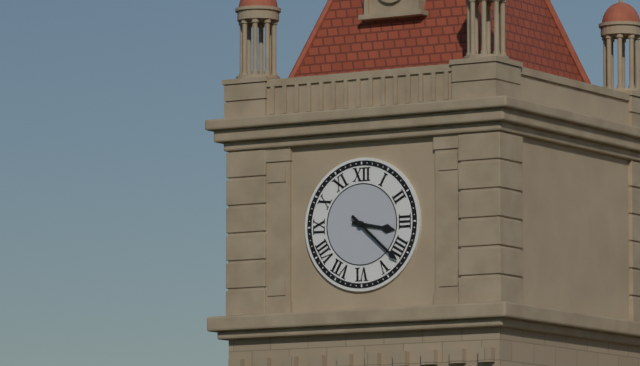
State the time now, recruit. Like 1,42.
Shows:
3,22
